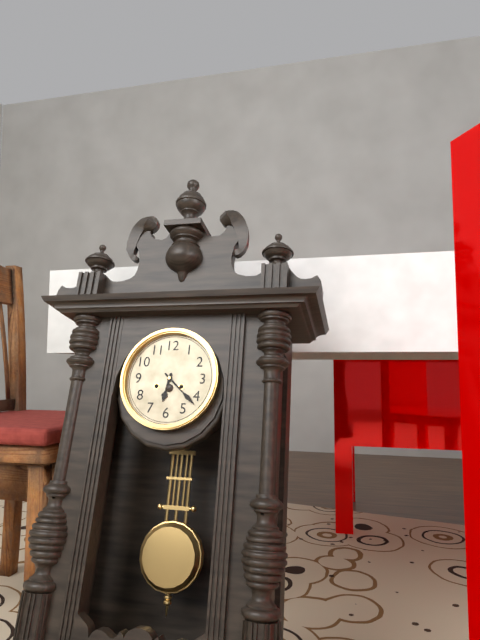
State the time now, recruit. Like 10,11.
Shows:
6,22
